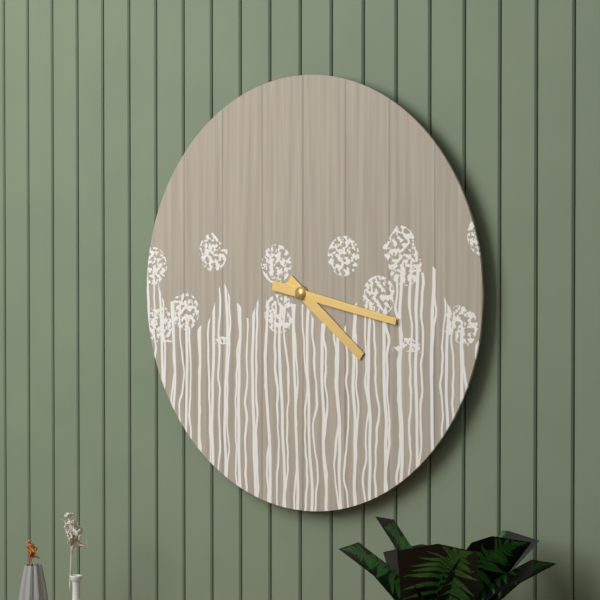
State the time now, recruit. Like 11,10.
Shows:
4,17
